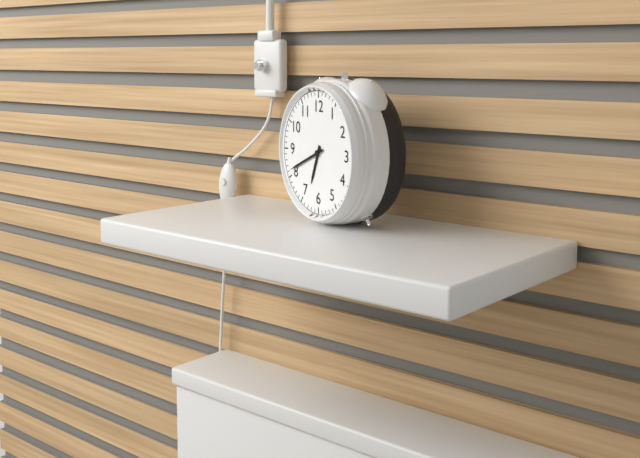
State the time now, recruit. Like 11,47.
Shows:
6,41
